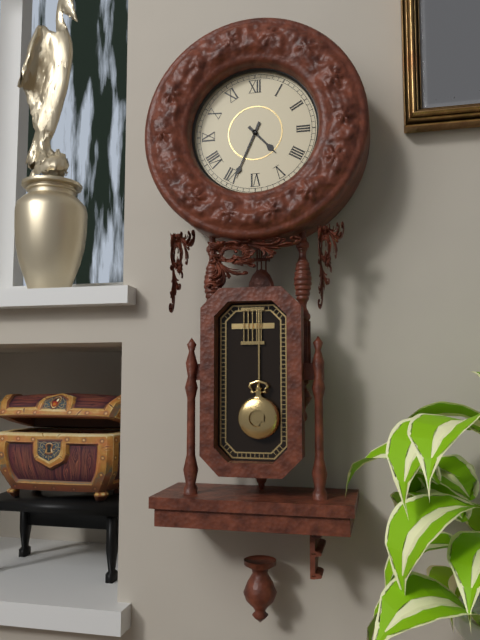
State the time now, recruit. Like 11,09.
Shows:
4,34
